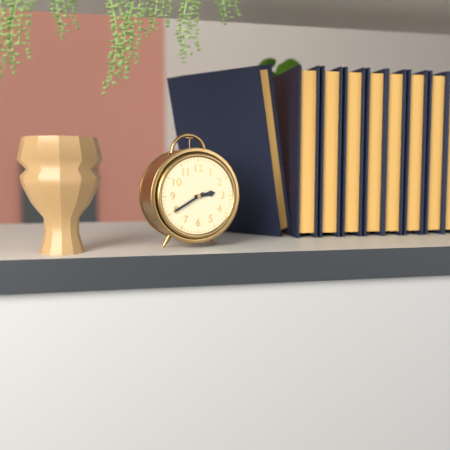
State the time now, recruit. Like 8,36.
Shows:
2,40
